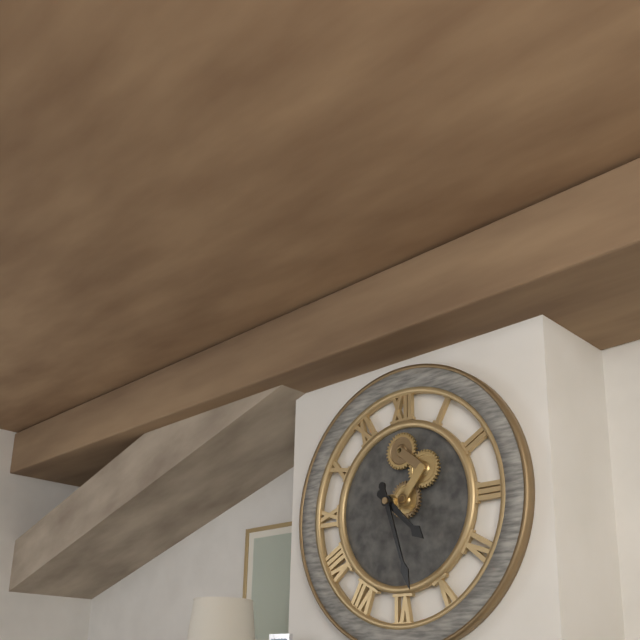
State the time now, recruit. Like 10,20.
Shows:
4,27
